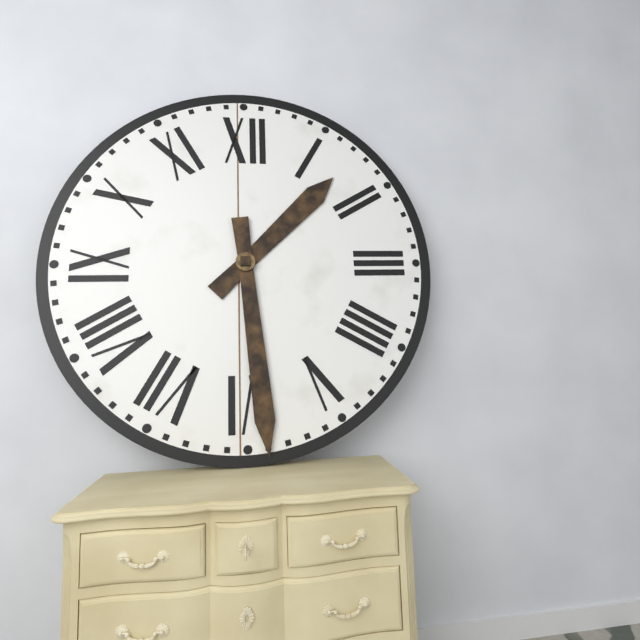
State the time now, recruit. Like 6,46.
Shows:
1,29
